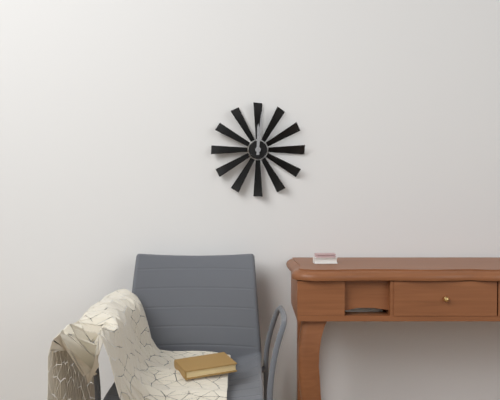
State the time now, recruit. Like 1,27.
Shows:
12,01
